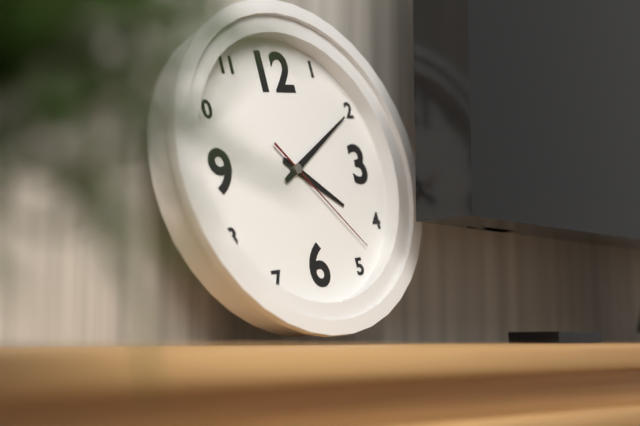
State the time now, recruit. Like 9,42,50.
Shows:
4,10,23
